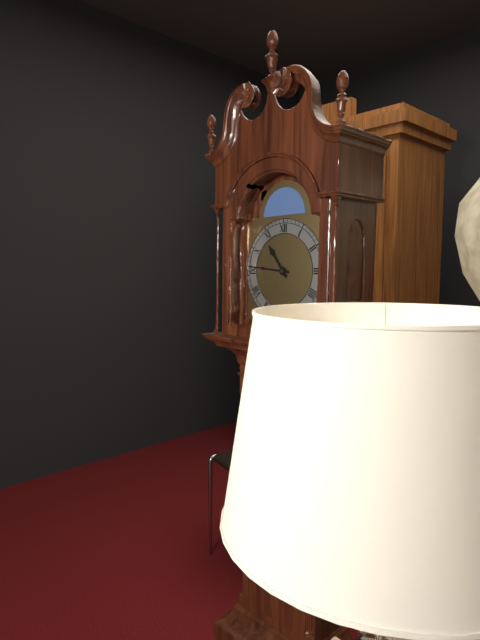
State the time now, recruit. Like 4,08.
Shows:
10,46
